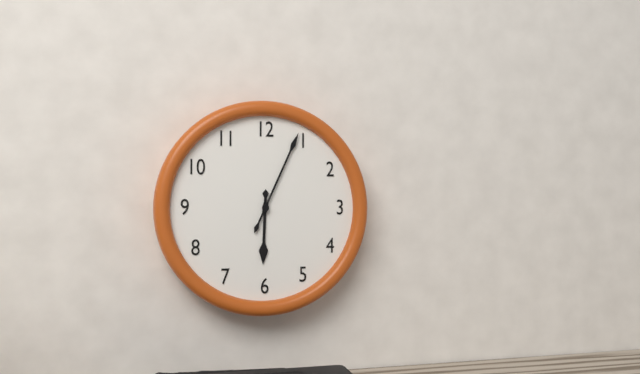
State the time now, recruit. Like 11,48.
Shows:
6,04
